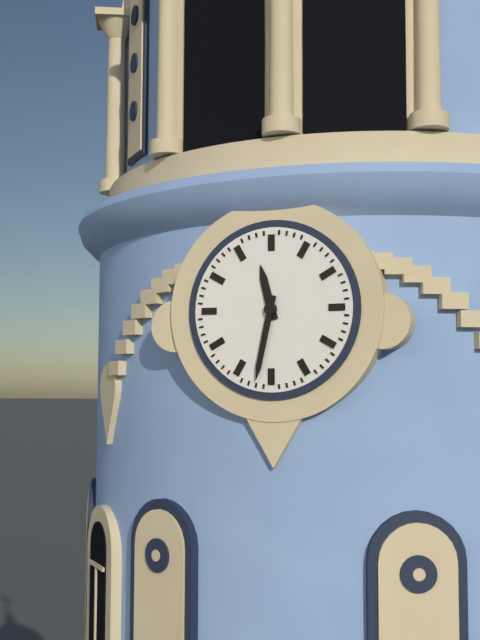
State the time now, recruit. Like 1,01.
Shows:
11,32
